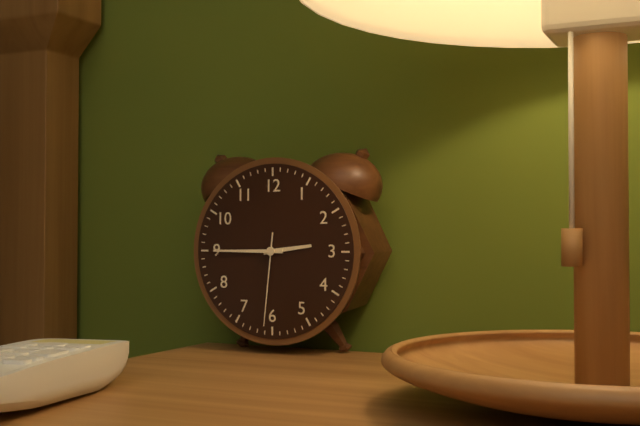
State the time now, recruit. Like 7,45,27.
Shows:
2,45,31
